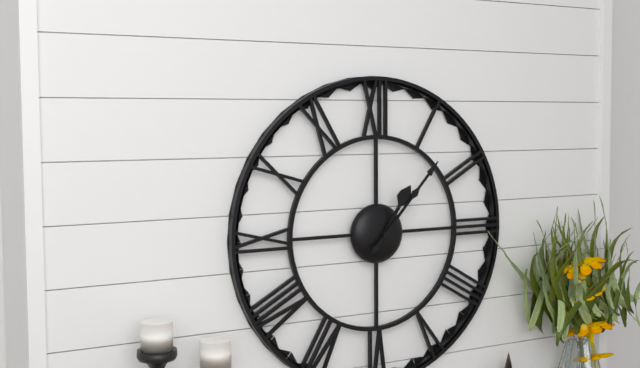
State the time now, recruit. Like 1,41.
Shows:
1,07
